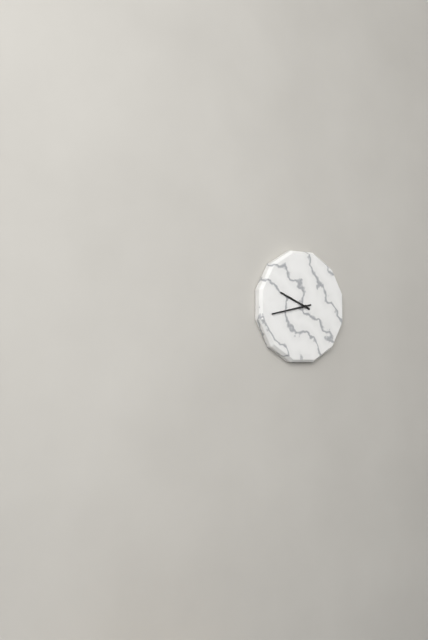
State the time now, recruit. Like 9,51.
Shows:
9,43
